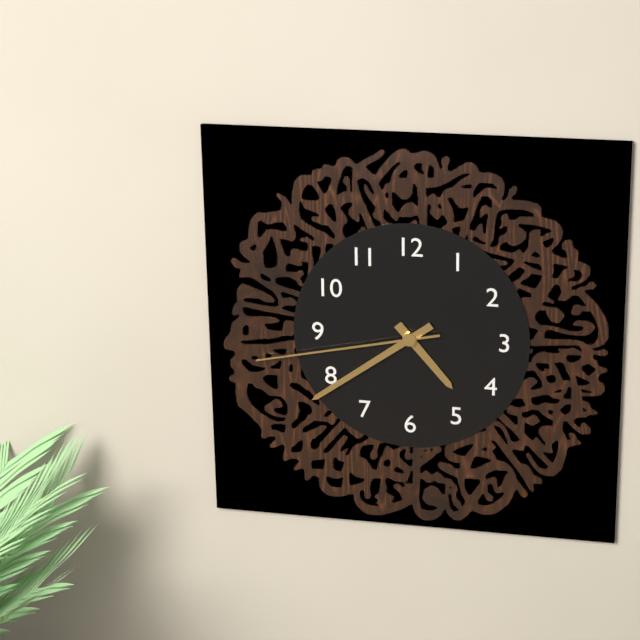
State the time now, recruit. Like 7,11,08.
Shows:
4,39,43
